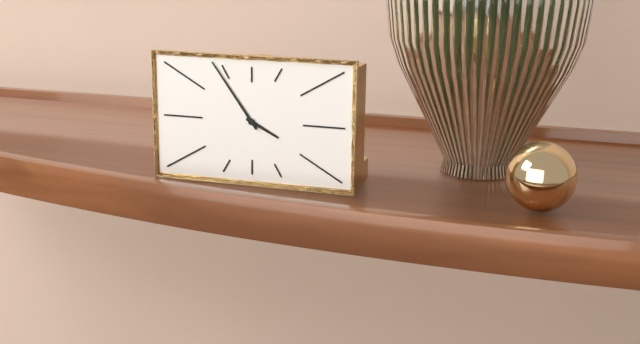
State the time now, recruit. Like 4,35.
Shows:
3,54
